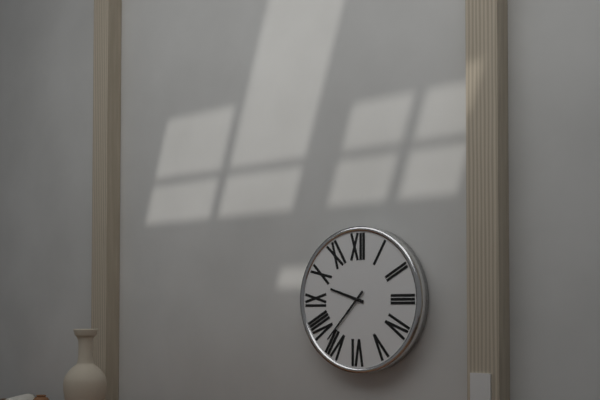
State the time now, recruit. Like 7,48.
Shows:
9,37
